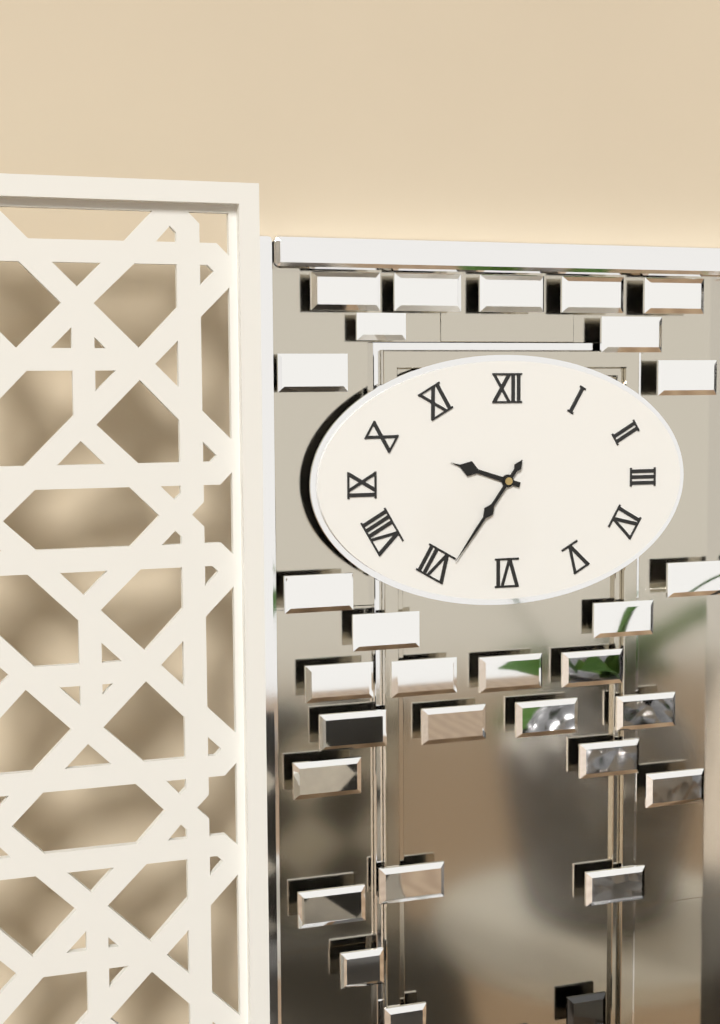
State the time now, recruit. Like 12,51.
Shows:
9,36
